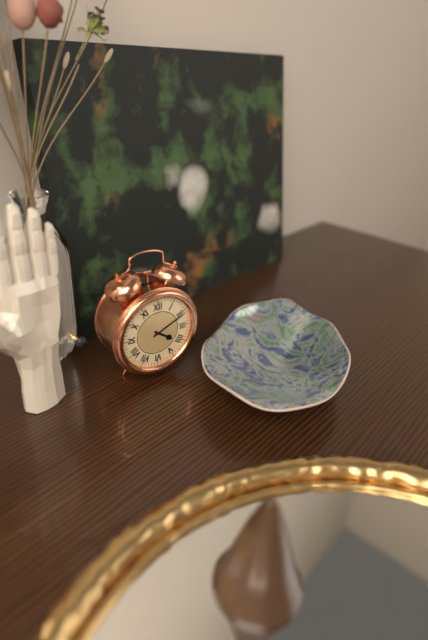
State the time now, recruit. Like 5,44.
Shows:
4,11
